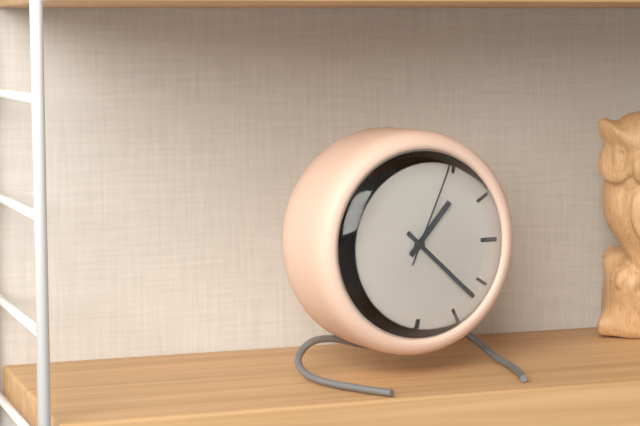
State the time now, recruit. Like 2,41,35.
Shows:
1,22,04
